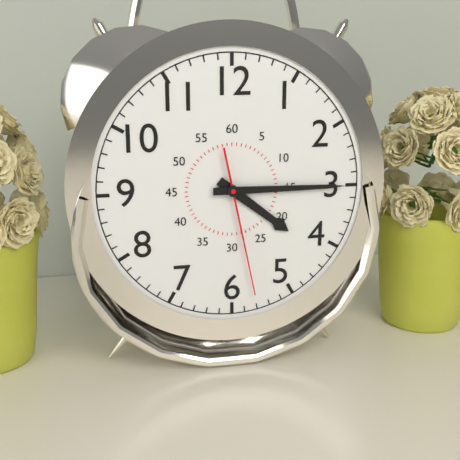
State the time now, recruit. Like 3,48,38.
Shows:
4,15,28
